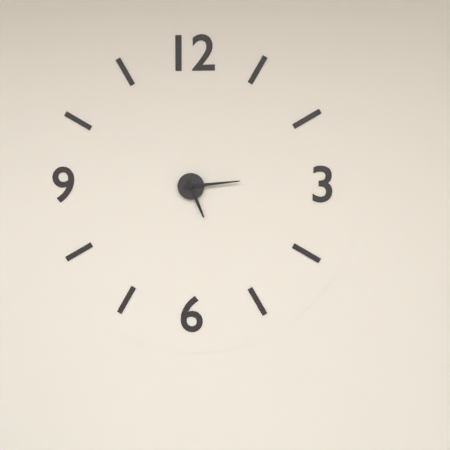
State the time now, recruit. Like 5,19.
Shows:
5,14
